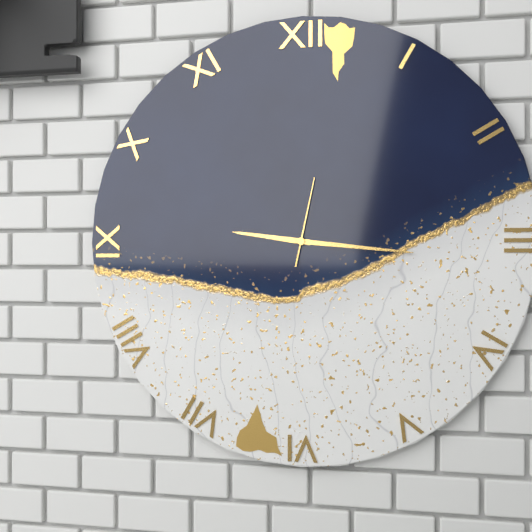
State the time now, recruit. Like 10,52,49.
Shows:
9,16,02
